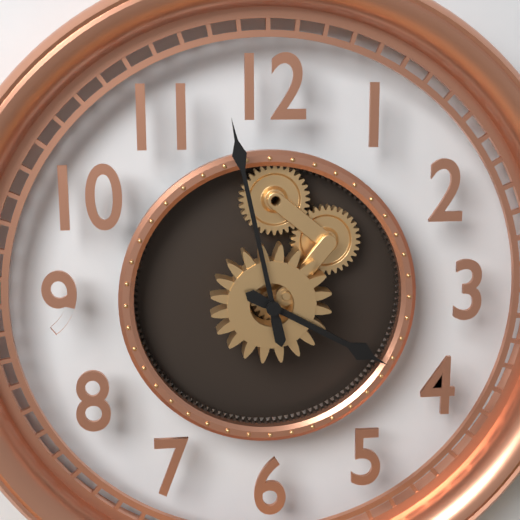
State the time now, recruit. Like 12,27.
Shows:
3,58
